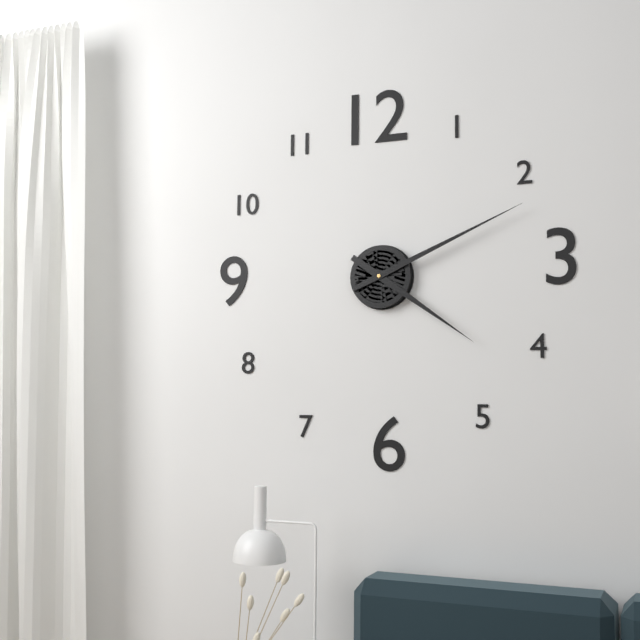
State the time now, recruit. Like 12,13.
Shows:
4,11
